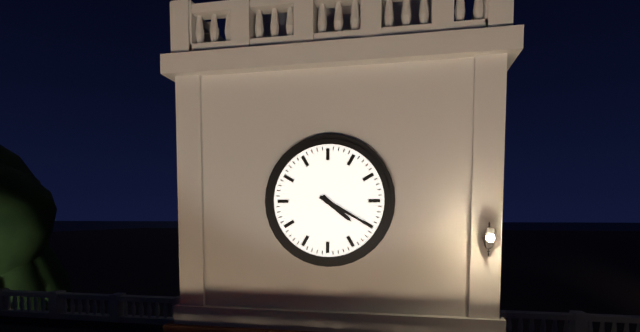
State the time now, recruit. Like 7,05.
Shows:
4,20
